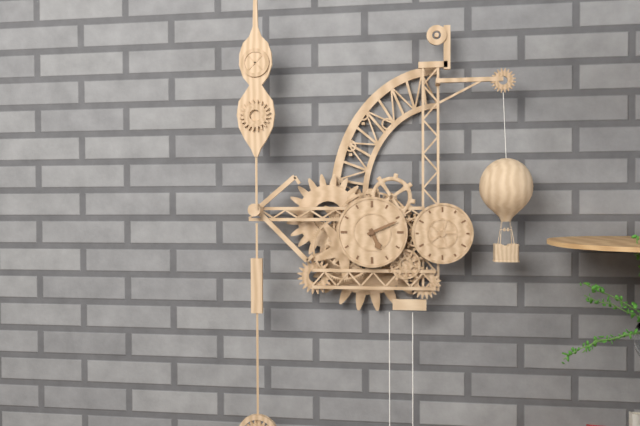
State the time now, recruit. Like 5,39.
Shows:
5,11
